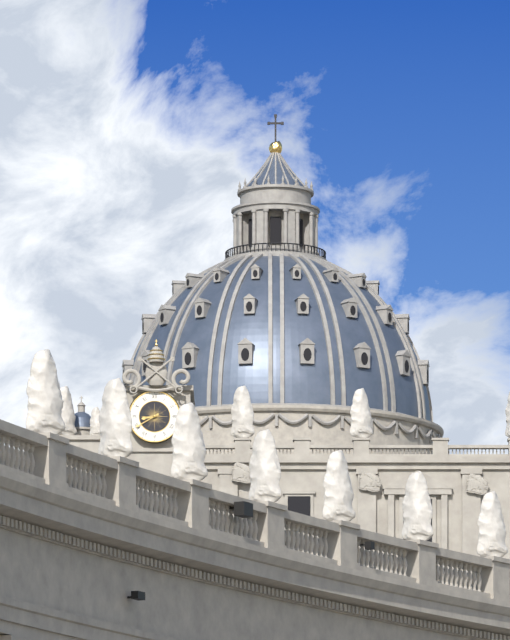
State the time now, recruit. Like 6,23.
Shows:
8,40
